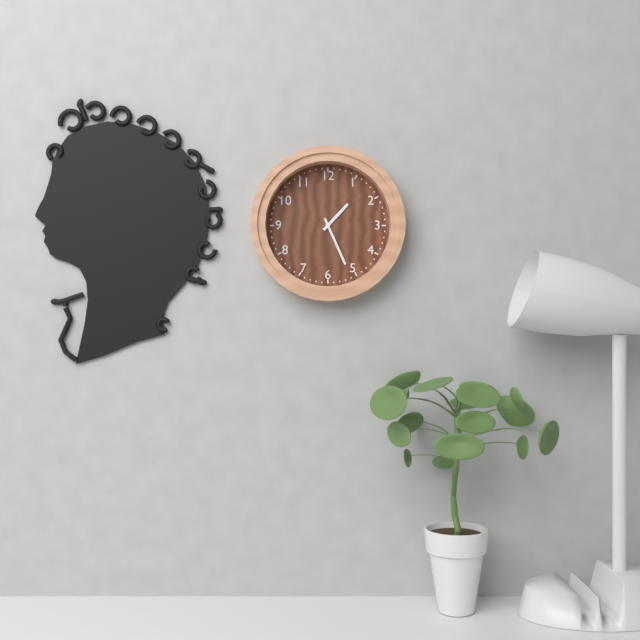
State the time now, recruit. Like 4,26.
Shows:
1,26
